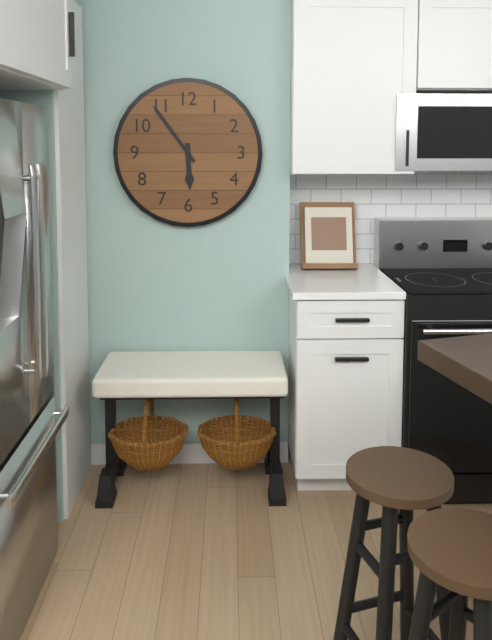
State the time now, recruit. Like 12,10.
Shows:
5,54
